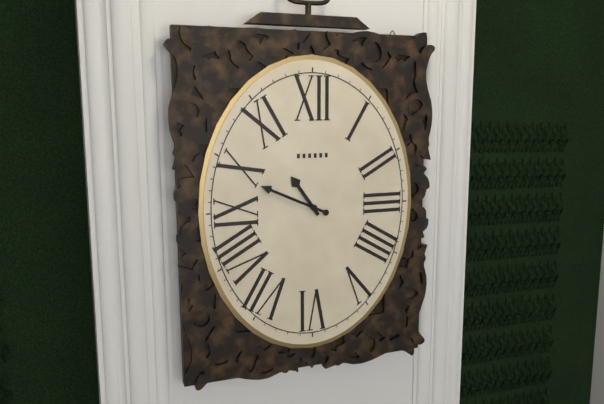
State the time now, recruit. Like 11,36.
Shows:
10,49
